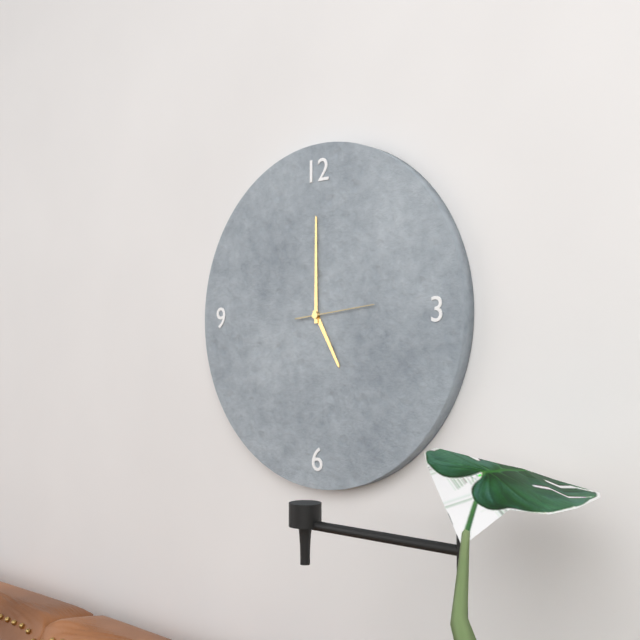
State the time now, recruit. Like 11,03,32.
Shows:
5,00,14
